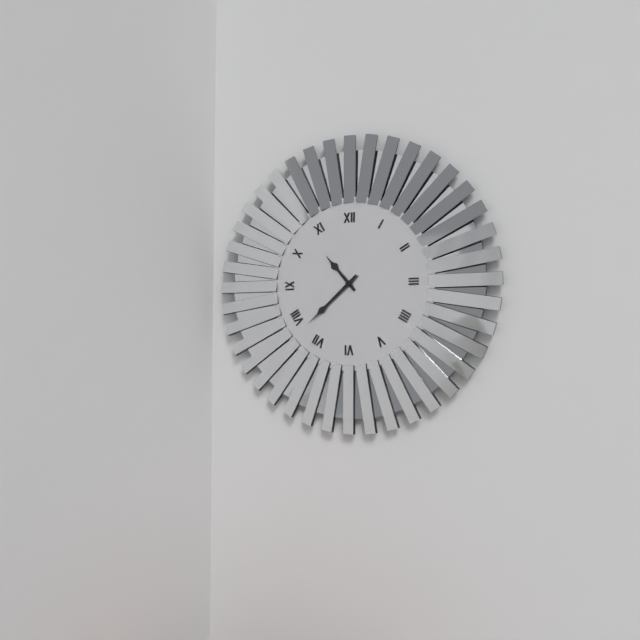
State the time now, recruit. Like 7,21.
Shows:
10,38
